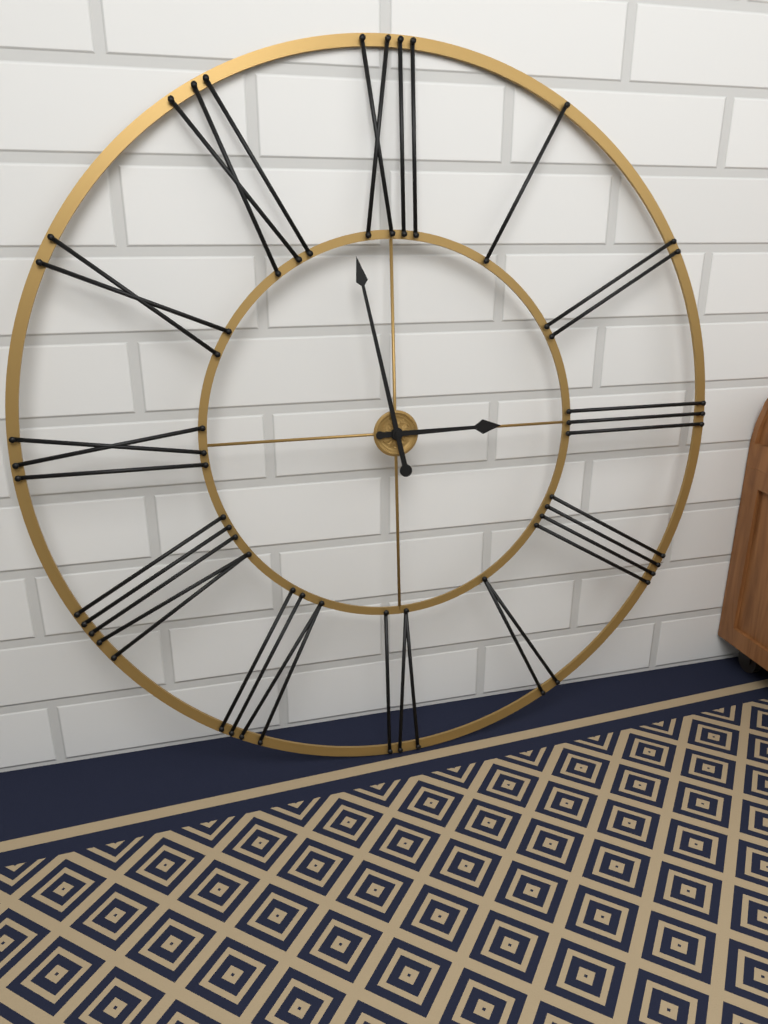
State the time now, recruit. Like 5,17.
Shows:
2,58
